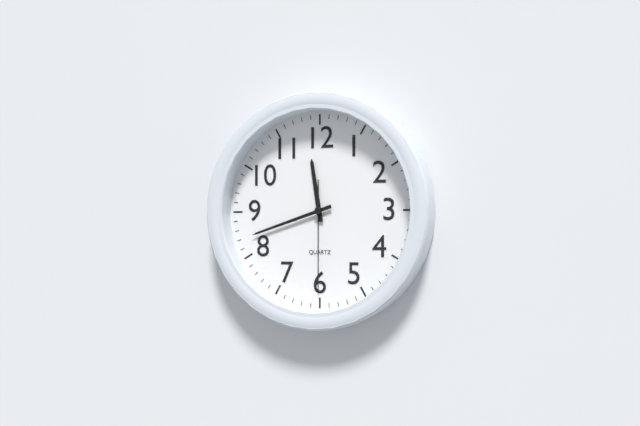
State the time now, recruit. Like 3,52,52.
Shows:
11,42,30
